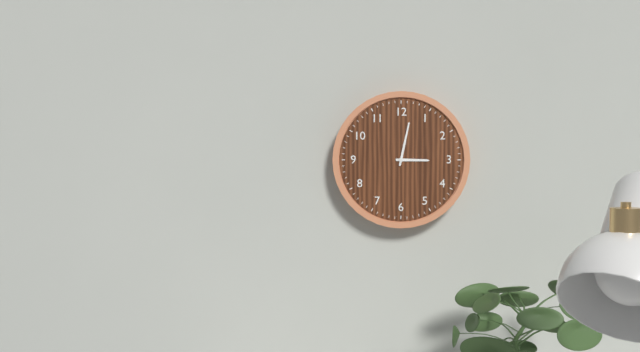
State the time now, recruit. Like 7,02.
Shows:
3,02
